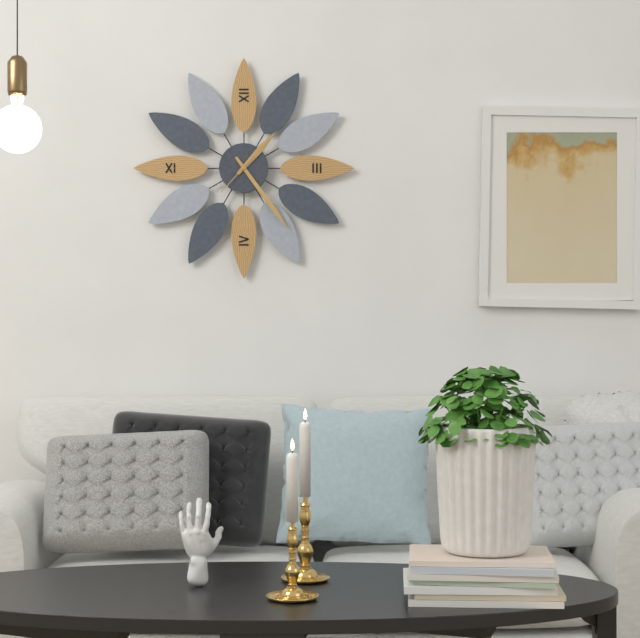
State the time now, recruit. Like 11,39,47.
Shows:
1,24,07
